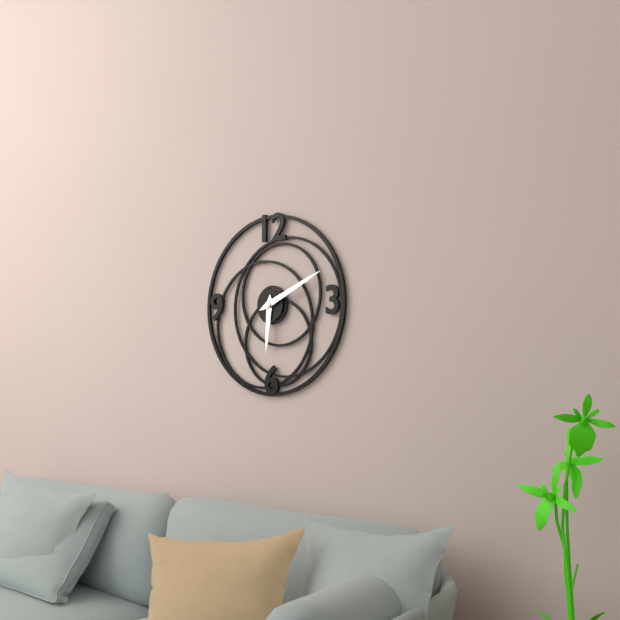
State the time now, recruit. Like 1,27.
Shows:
6,11
